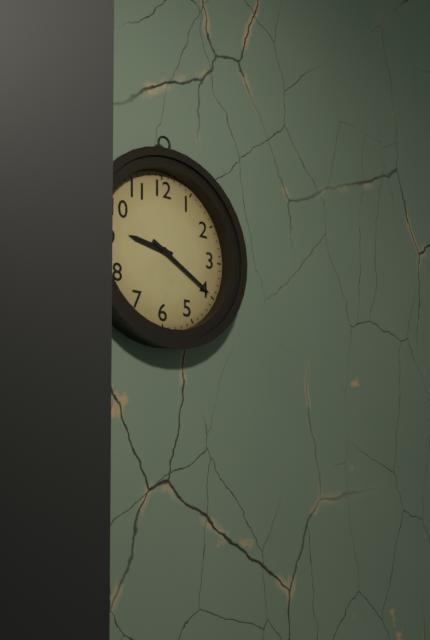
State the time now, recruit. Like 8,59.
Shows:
9,20
